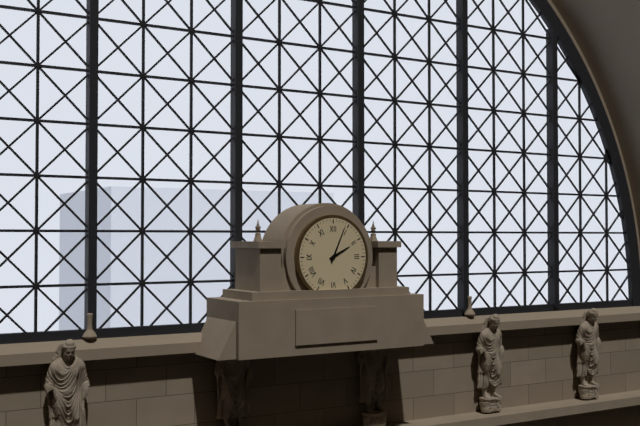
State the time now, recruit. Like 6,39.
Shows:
2,04
